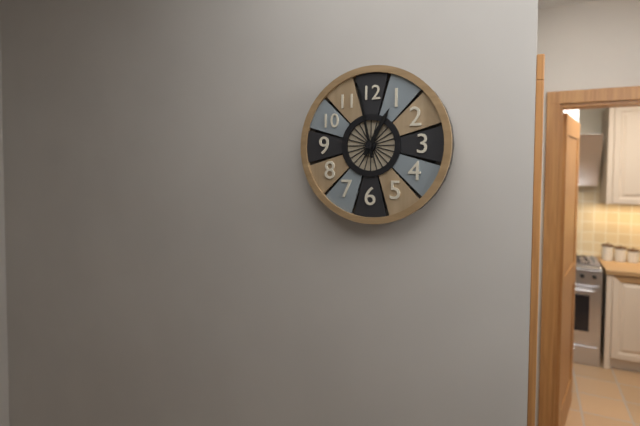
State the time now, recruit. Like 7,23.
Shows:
12,58
